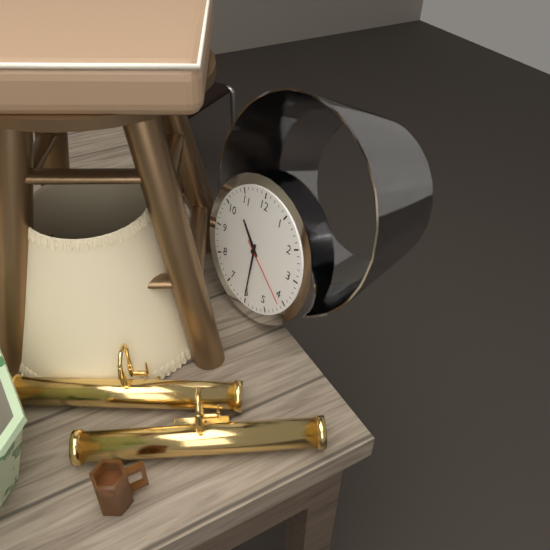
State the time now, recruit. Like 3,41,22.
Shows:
10,30,21
